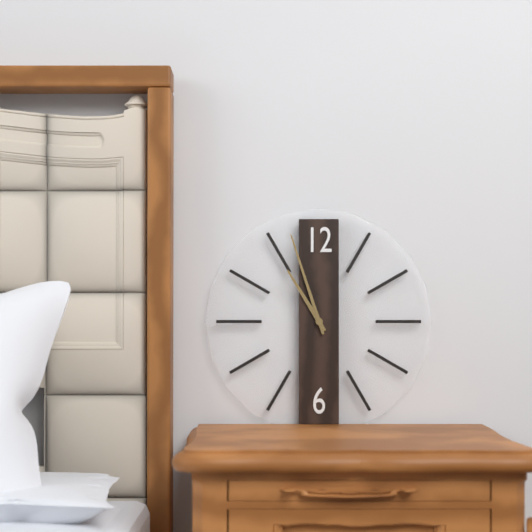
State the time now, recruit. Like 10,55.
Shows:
10,57
